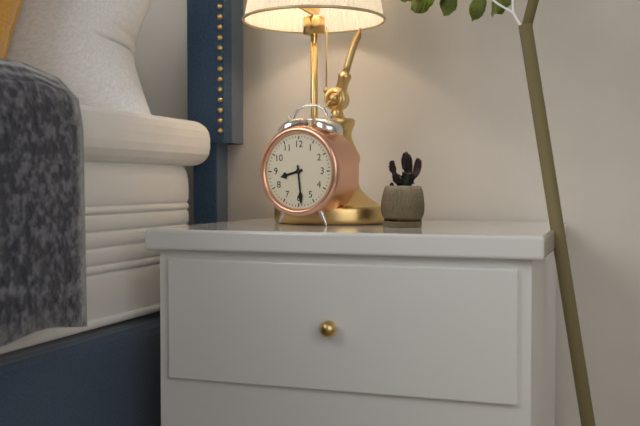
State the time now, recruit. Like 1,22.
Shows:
8,29
